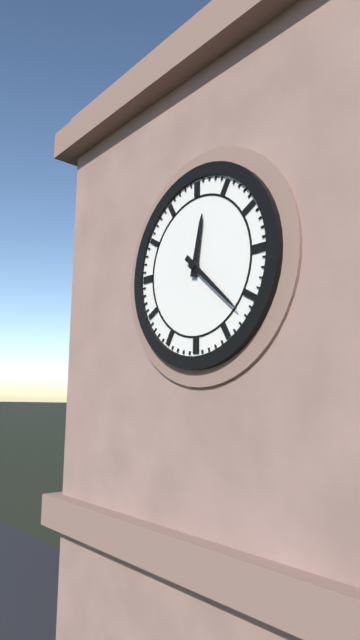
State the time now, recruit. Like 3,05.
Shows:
12,22
